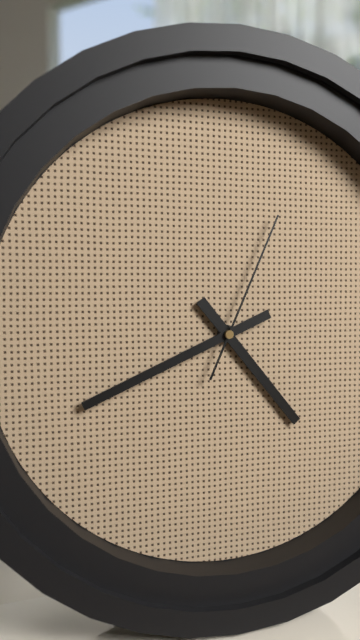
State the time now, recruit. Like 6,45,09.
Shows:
4,41,04
